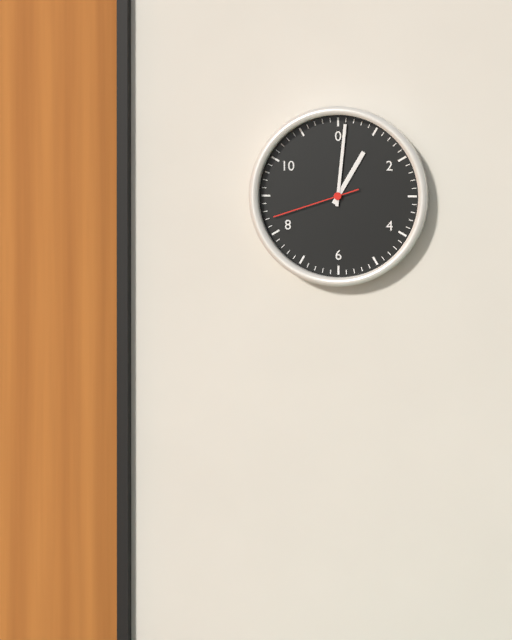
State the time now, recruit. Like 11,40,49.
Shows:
1,01,42
